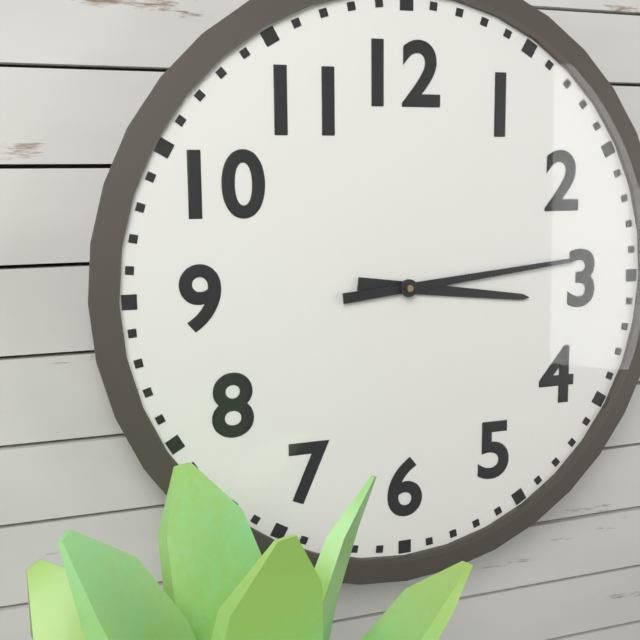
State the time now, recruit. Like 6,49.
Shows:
3,14
